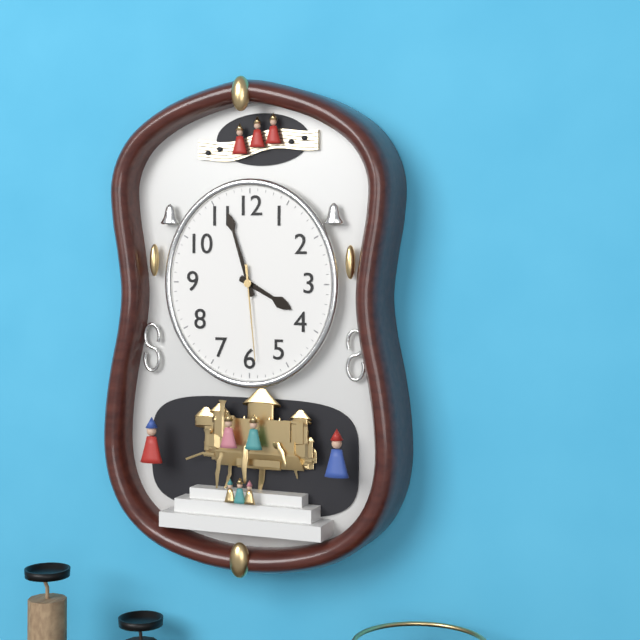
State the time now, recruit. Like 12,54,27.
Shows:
3,57,29
